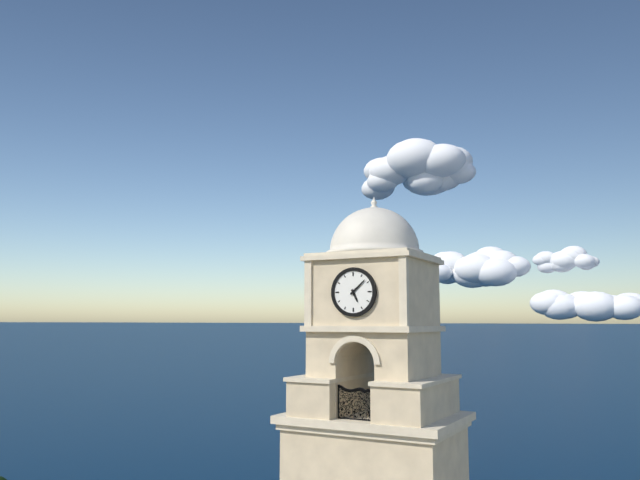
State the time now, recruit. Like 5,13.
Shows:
5,08
